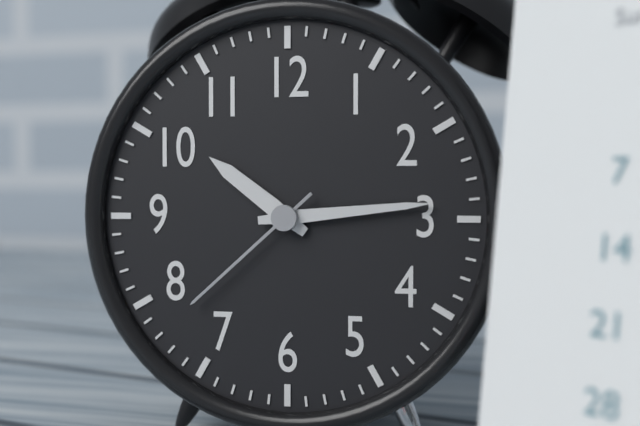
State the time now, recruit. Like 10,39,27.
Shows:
10,14,38
